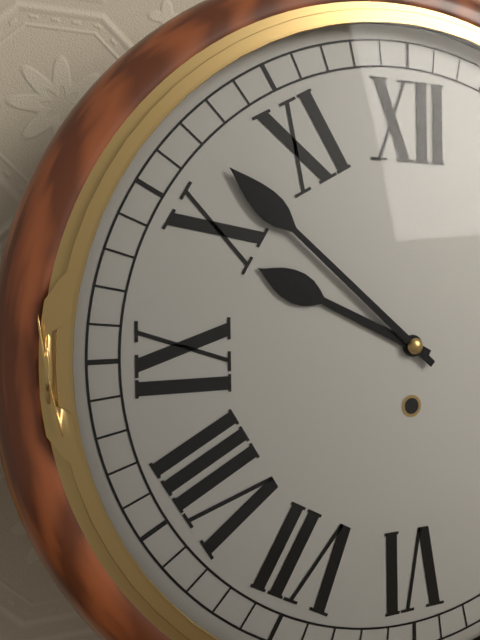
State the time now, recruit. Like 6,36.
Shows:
9,52
